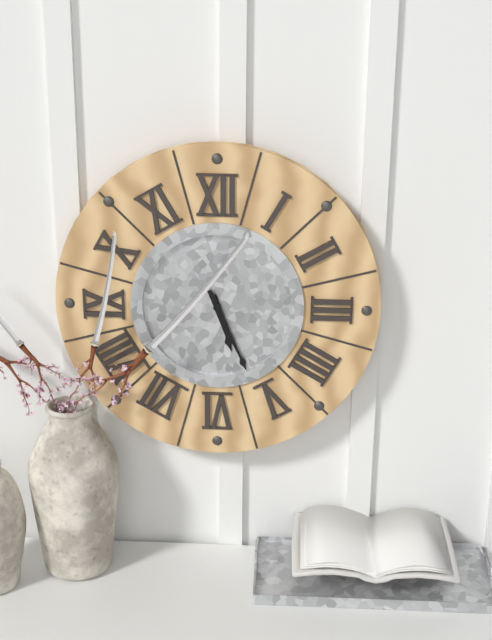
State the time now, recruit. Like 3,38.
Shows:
5,26
